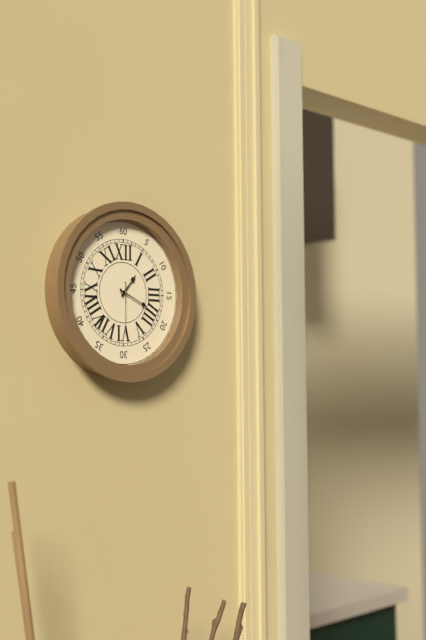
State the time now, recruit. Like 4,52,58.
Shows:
1,19,30
